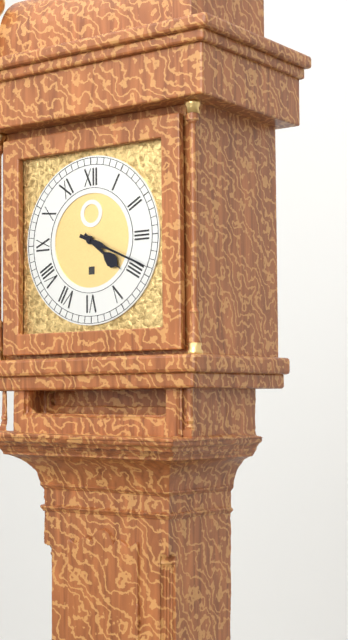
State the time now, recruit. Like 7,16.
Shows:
4,19
